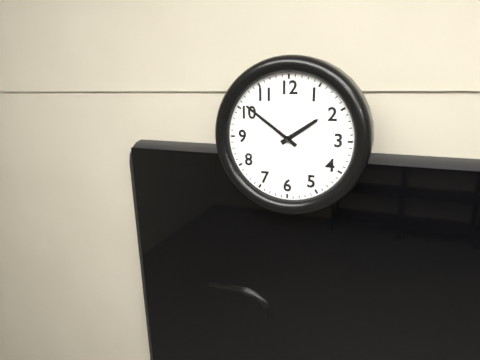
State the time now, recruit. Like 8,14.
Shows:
1,51
